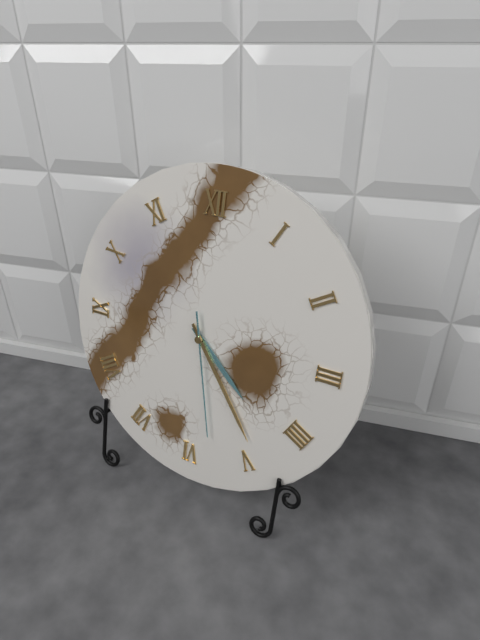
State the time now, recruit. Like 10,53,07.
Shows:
4,24,28
